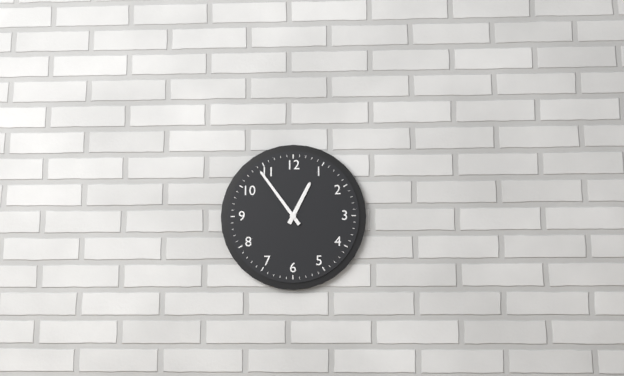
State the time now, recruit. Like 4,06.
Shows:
12,54
